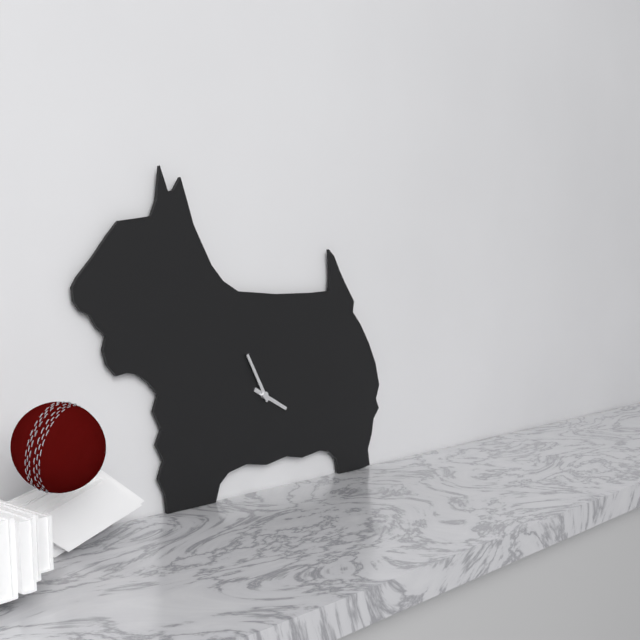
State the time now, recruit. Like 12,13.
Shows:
3,55
